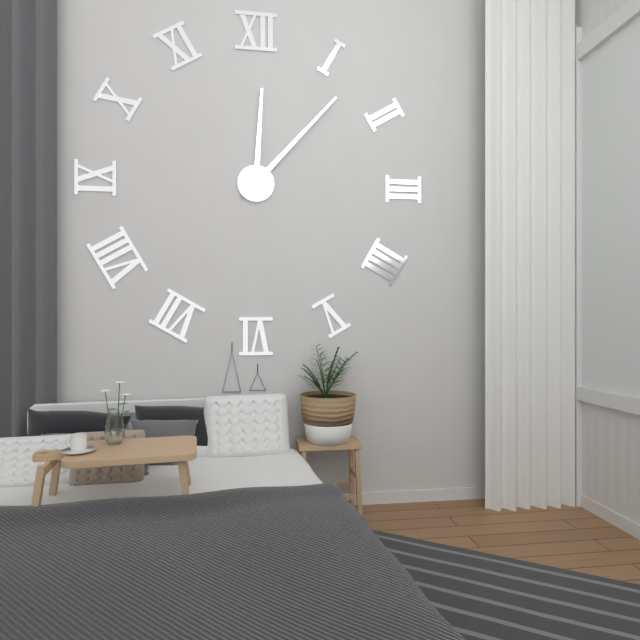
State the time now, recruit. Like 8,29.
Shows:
12,07
